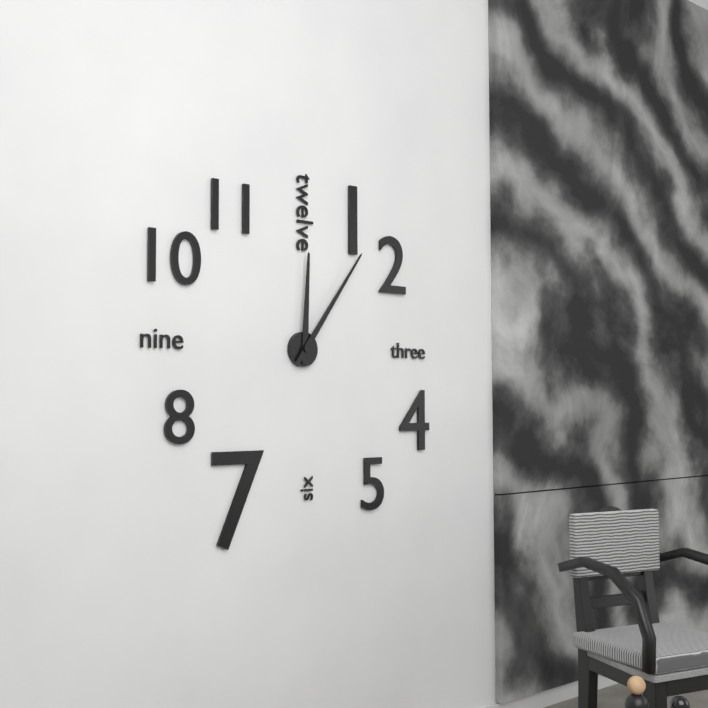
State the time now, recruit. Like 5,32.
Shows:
12,06
